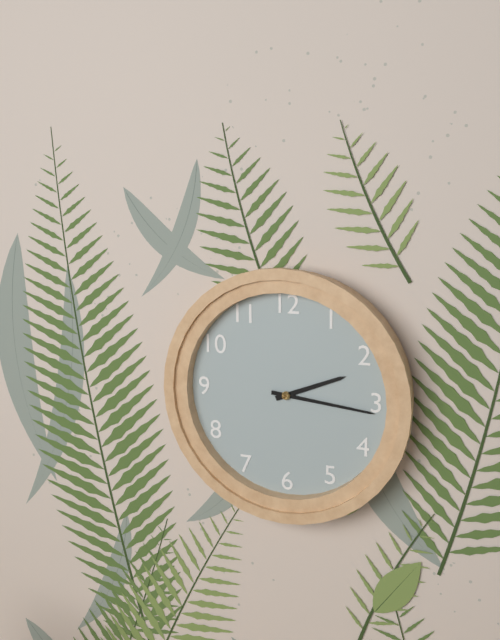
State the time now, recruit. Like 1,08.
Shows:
2,16
